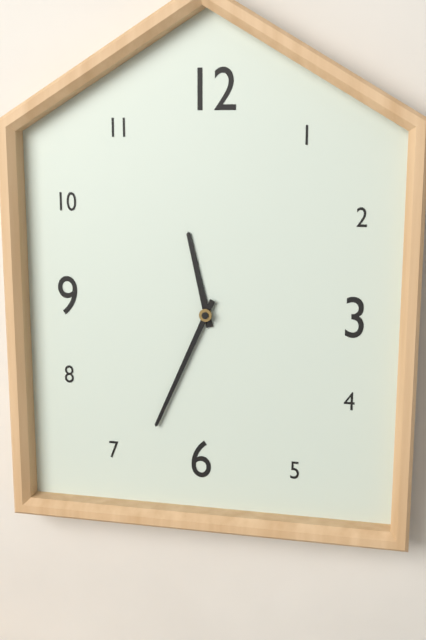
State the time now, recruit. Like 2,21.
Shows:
11,34
